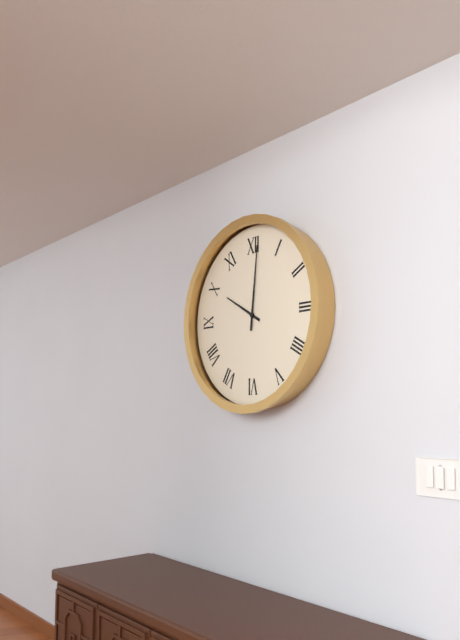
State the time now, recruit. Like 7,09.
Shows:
10,01
